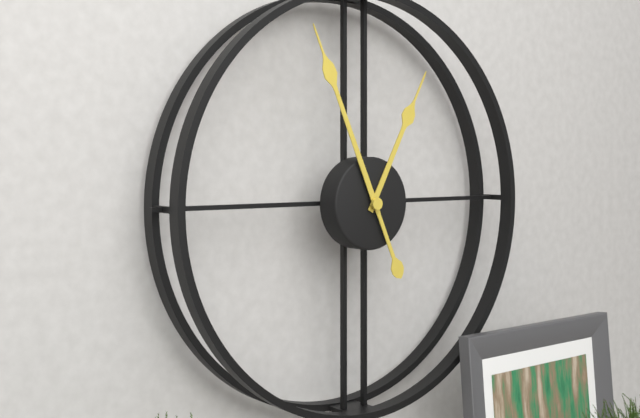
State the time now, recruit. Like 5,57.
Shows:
12,56
